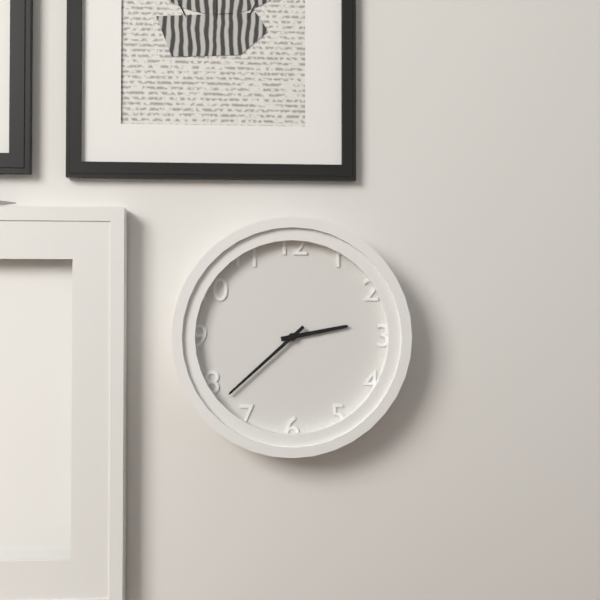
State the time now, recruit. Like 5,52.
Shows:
2,38
